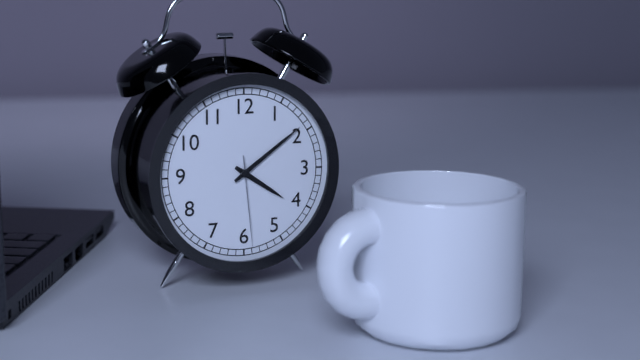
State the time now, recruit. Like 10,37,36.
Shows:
4,09,29
